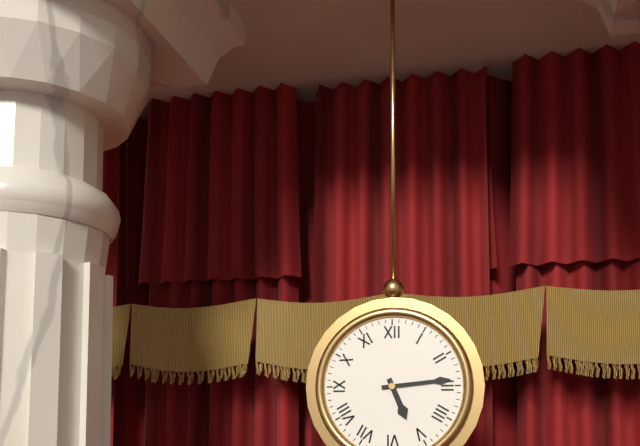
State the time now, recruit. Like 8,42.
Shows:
5,14
